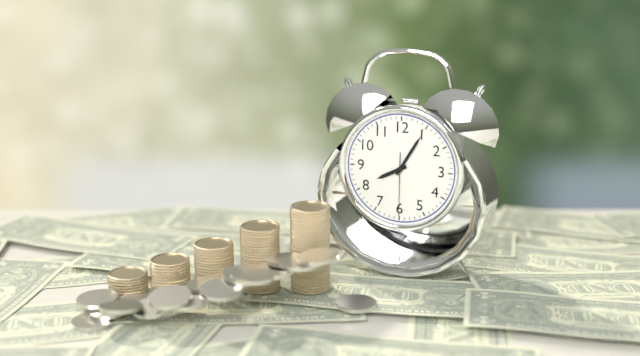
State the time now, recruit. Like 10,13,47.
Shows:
8,05,30
